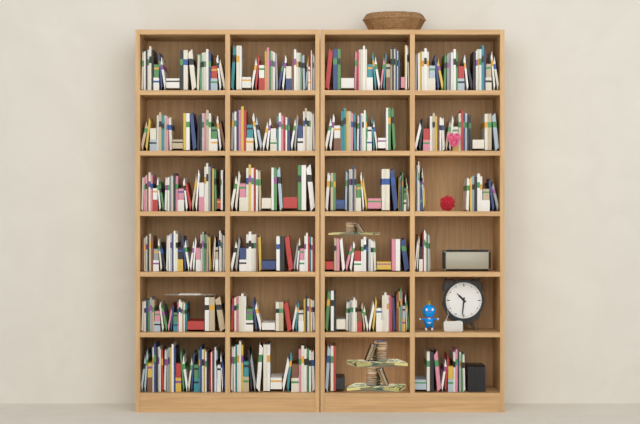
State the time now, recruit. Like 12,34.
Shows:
10,31
